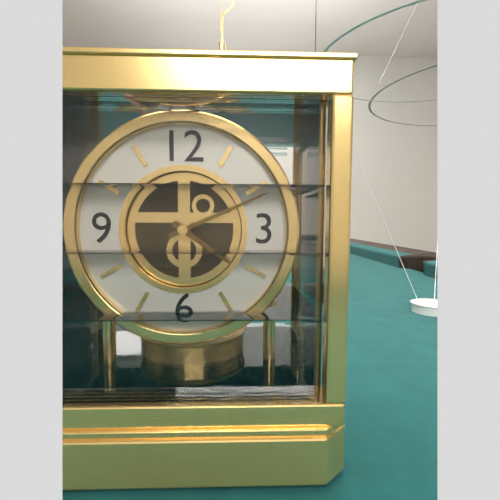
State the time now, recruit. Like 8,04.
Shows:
4,11
